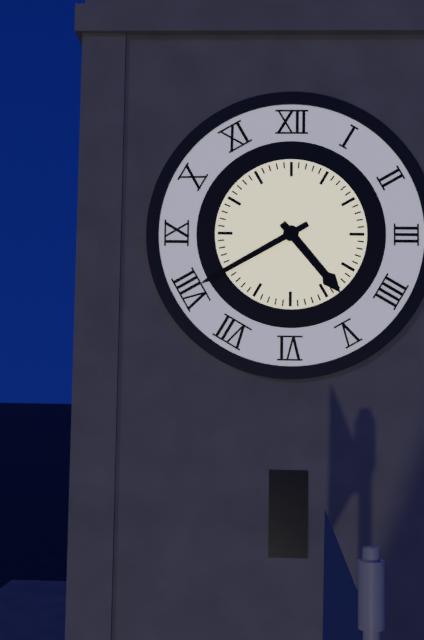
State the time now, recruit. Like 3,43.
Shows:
4,40
